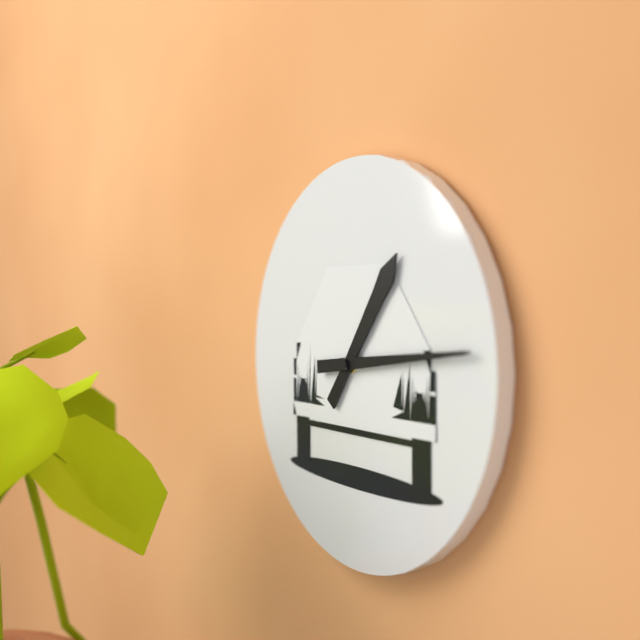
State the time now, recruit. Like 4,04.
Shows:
1,14
